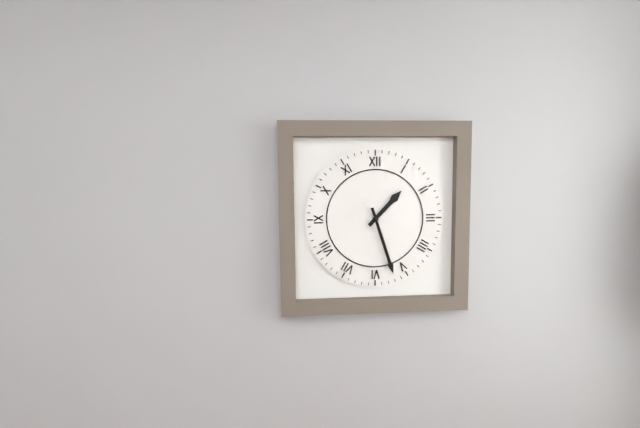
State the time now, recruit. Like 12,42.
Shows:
1,27
